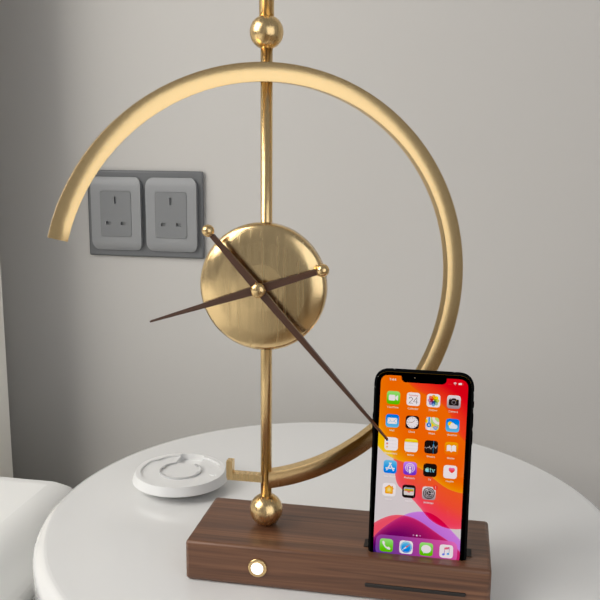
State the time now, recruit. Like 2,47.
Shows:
8,23
